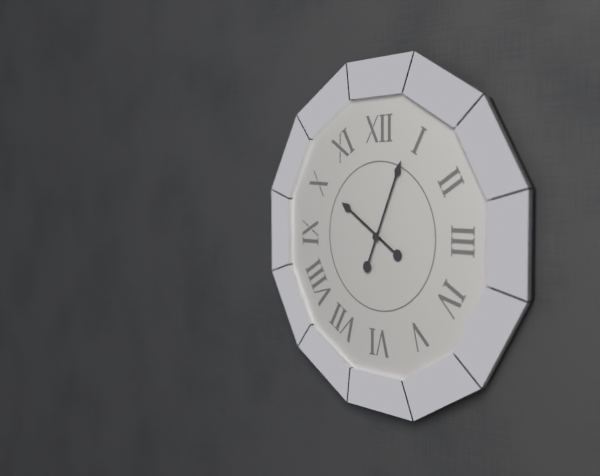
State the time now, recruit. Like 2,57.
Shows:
10,04
